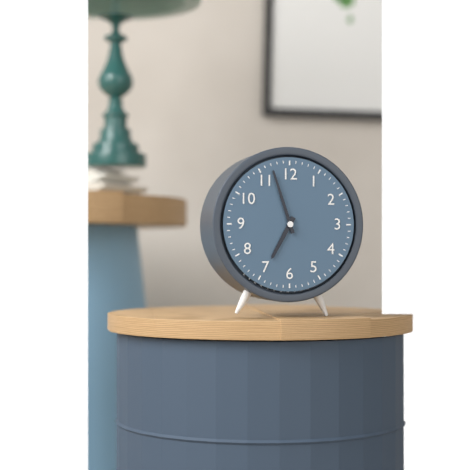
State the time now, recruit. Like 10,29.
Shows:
6,57
